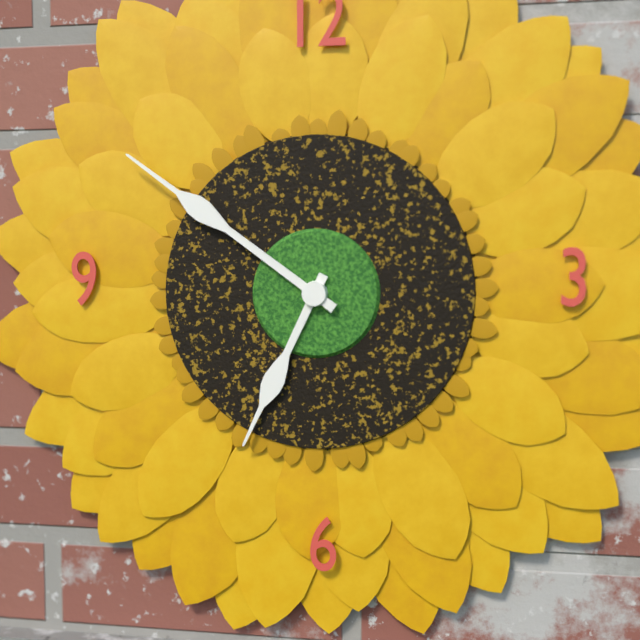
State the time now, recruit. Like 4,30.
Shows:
6,51
